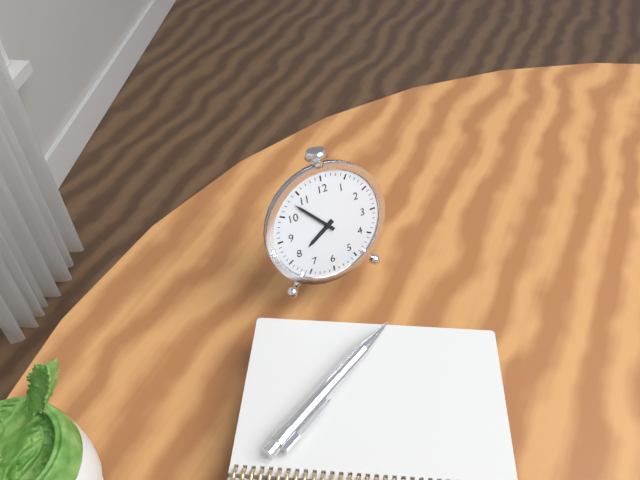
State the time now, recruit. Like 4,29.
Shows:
7,53
